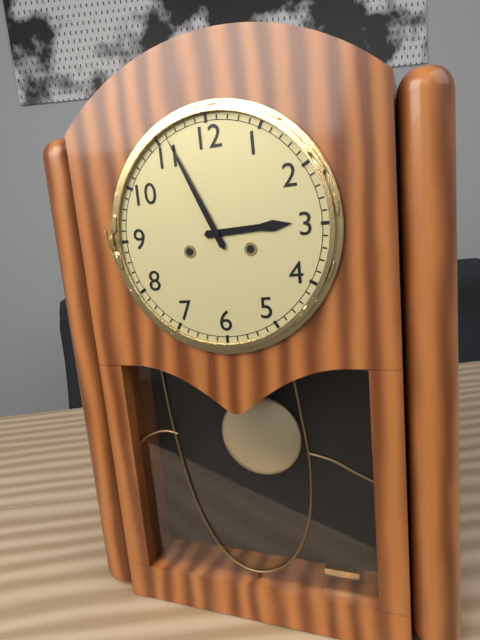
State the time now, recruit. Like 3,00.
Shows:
2,56
